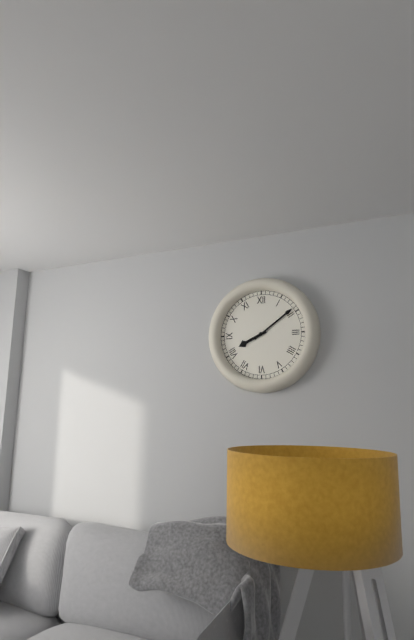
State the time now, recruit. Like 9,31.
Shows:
8,09
